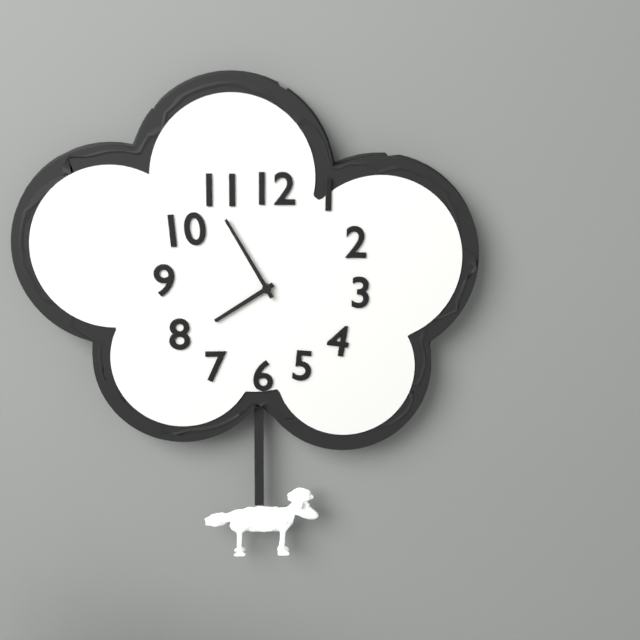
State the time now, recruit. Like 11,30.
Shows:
7,55
